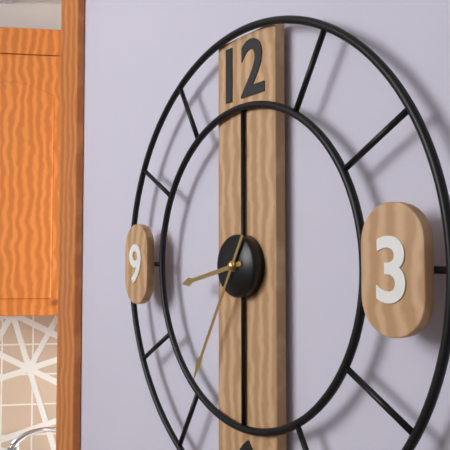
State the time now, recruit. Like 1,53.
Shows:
8,35
